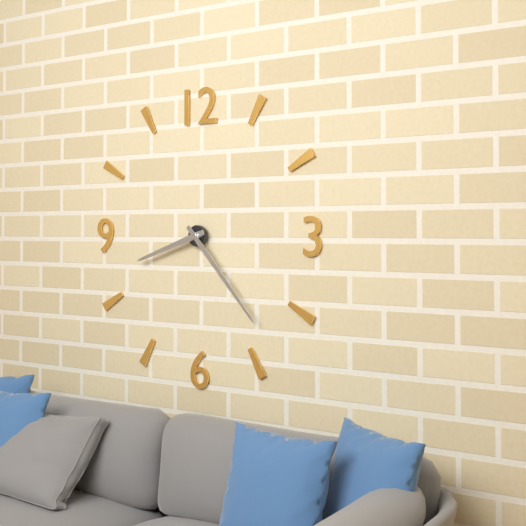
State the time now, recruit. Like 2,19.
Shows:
8,23
